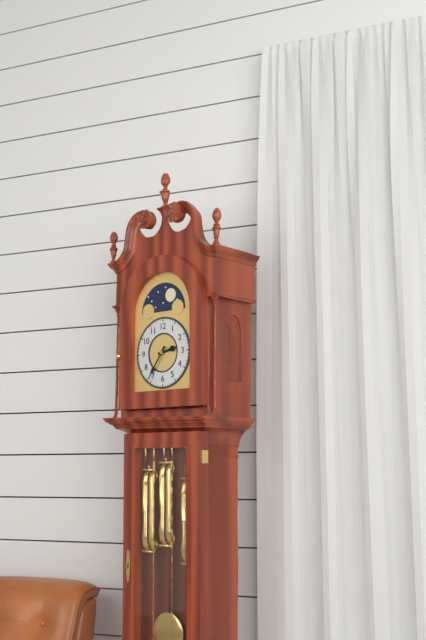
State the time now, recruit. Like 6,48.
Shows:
2,36
